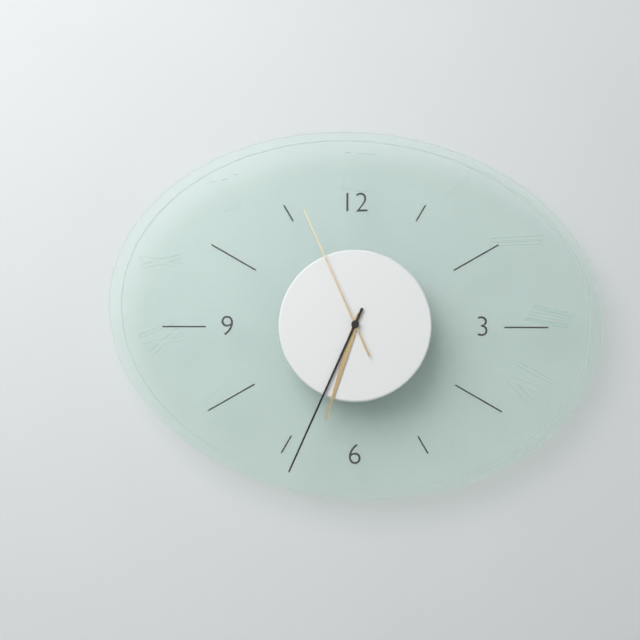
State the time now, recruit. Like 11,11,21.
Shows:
6,34,56
